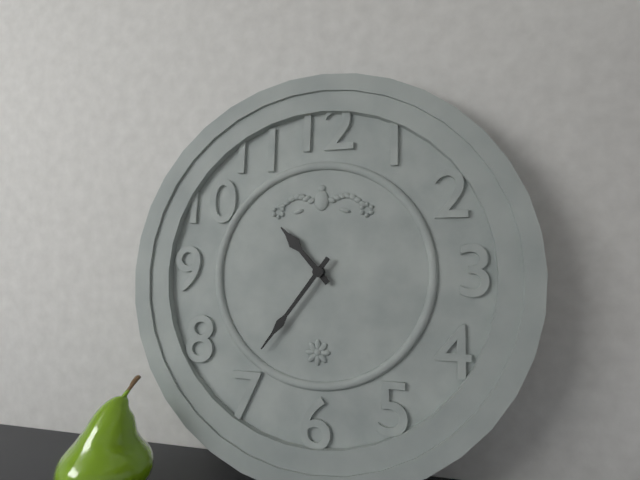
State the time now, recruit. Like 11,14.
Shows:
10,36
